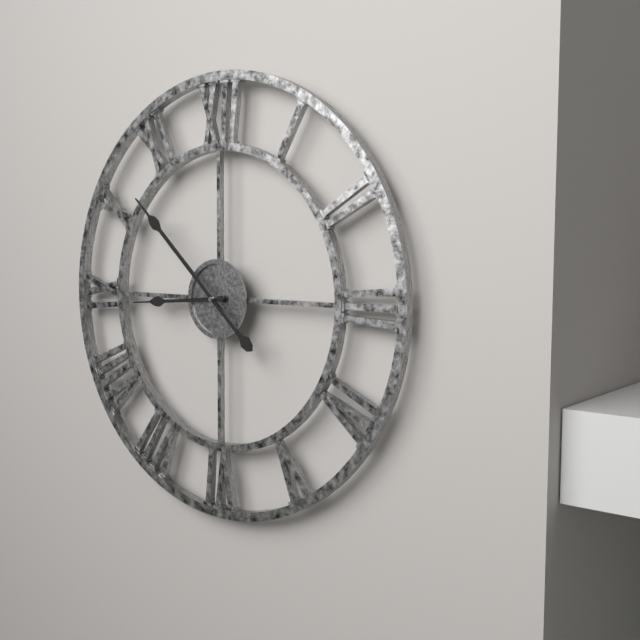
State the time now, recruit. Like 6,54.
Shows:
8,52
